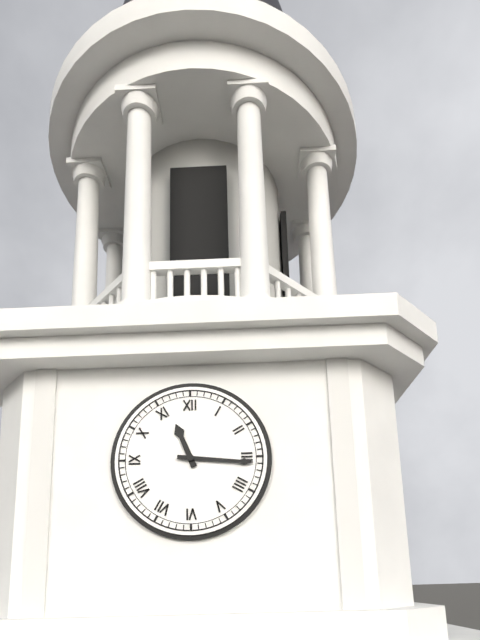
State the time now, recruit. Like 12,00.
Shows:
11,16
